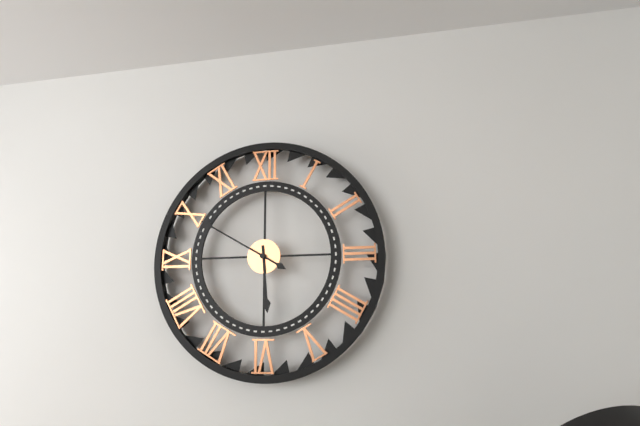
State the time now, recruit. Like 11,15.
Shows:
5,50
